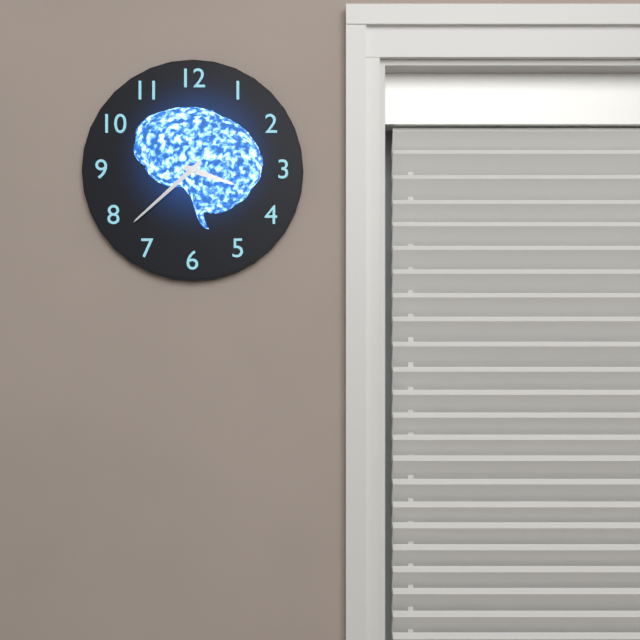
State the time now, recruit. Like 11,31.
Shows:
3,38
